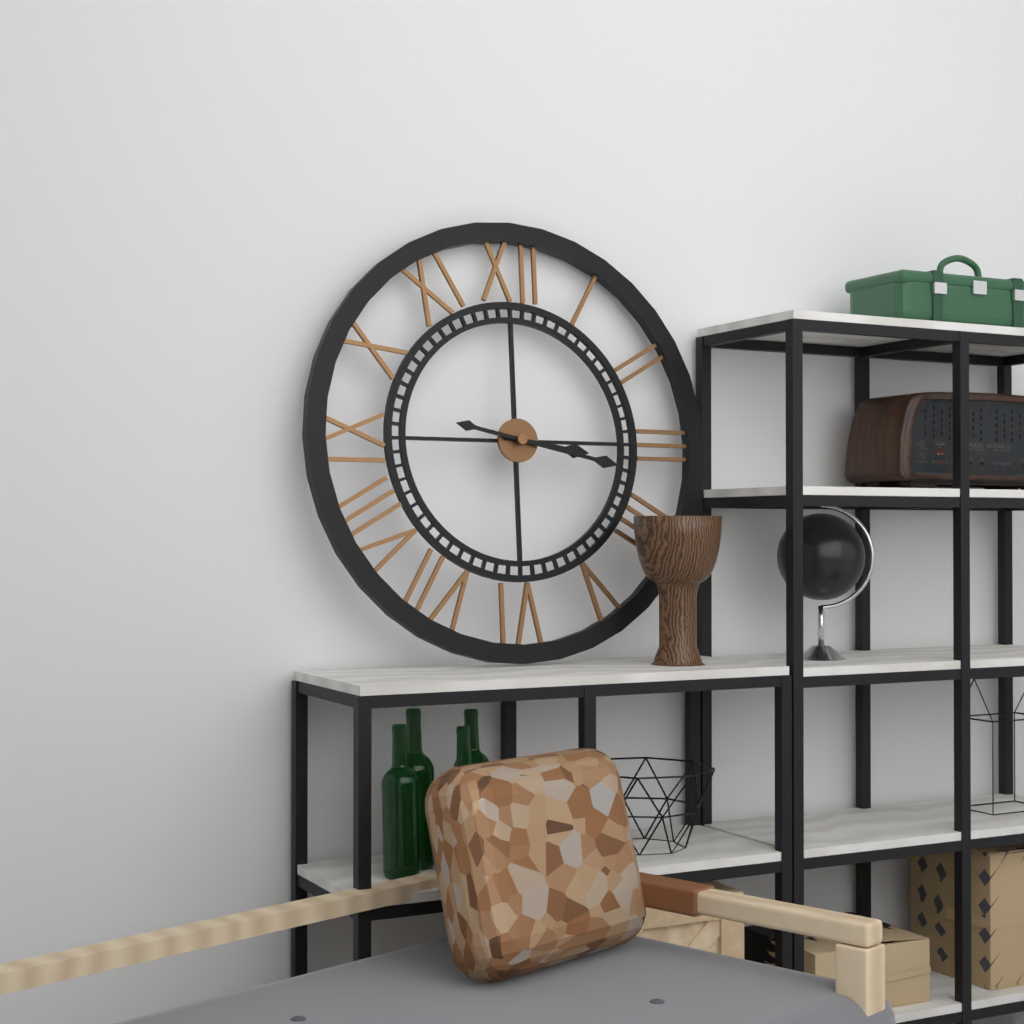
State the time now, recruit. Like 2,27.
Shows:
3,17
